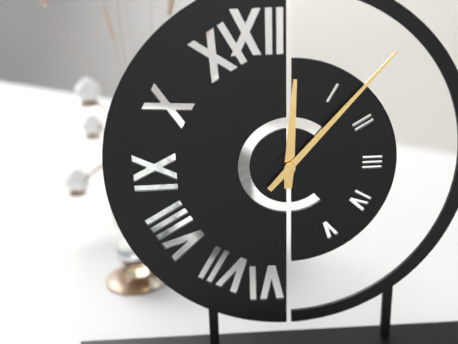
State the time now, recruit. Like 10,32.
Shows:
12,07
